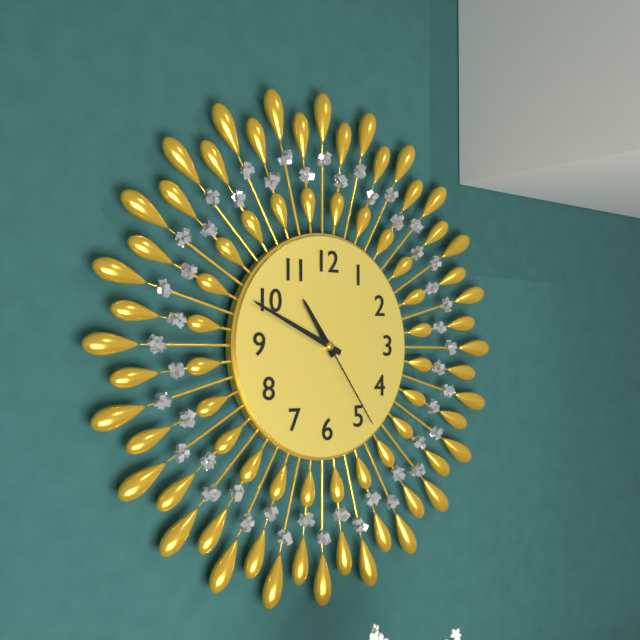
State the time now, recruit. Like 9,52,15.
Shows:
10,49,24
